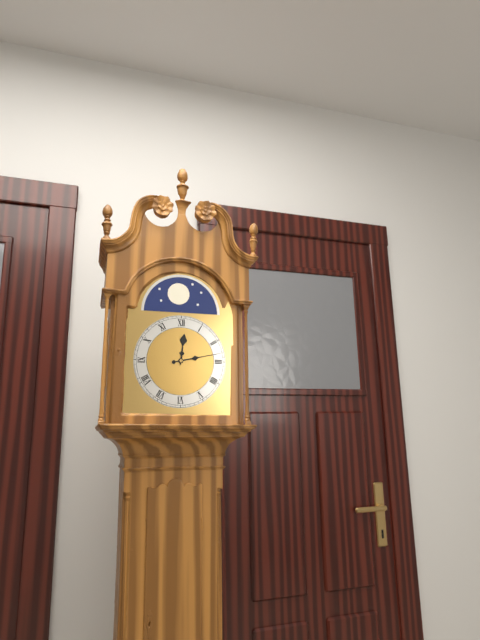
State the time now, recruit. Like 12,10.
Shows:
12,13
